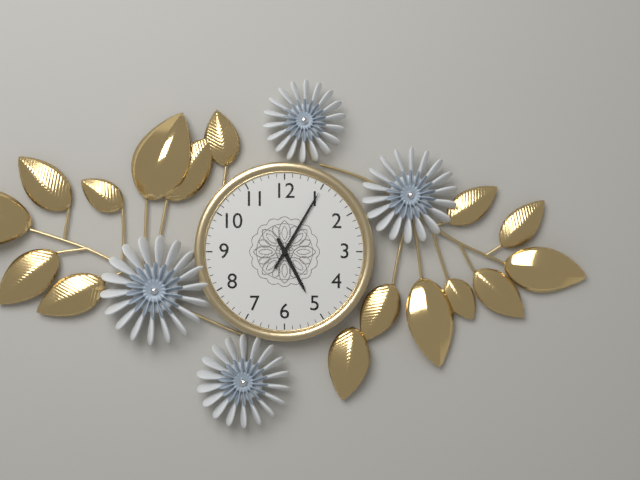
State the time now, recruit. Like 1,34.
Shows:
5,05
